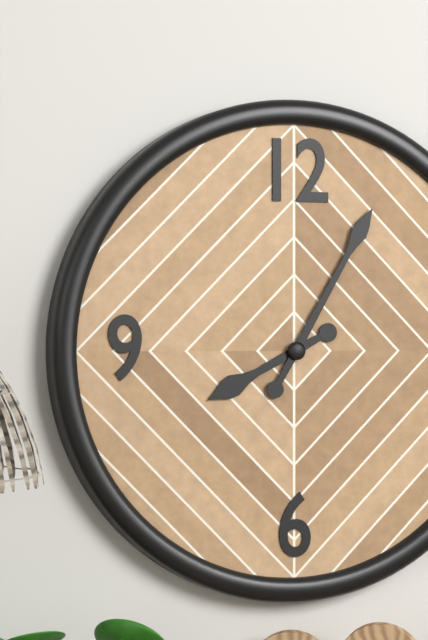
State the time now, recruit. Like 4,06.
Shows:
8,05
